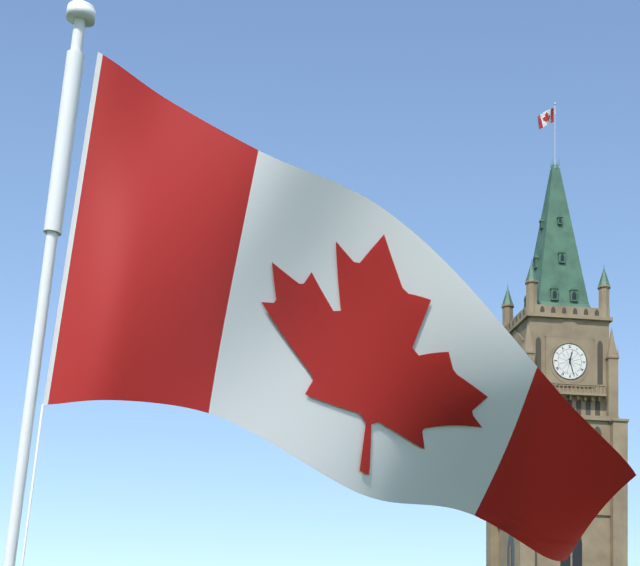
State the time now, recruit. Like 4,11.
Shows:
12,27
